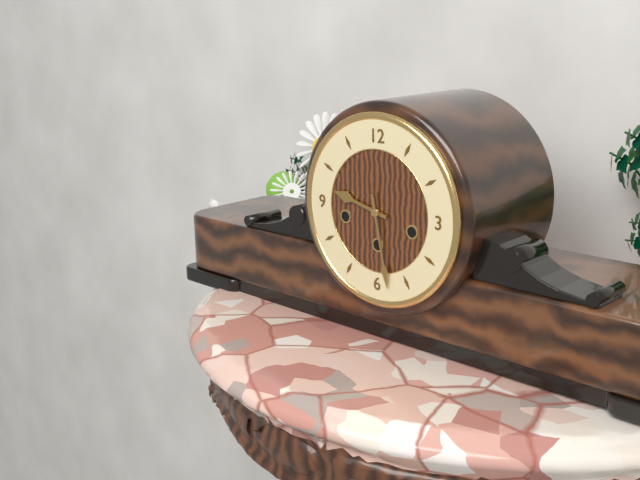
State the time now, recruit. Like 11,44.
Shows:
9,28
